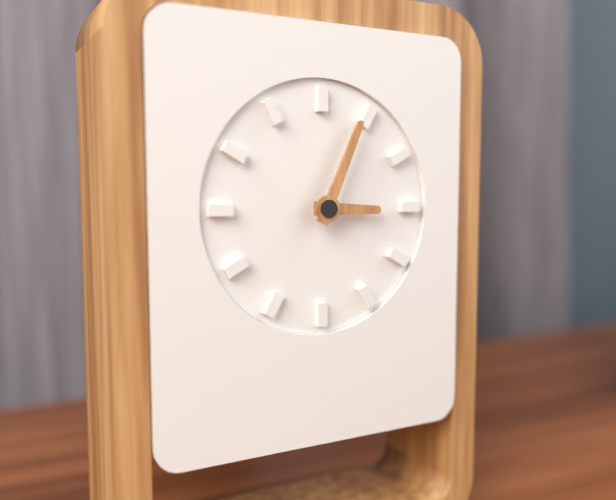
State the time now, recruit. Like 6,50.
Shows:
3,04
